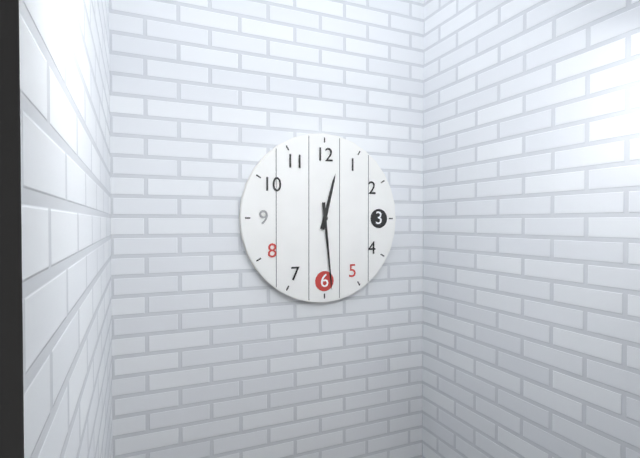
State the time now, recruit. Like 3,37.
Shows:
12,29
